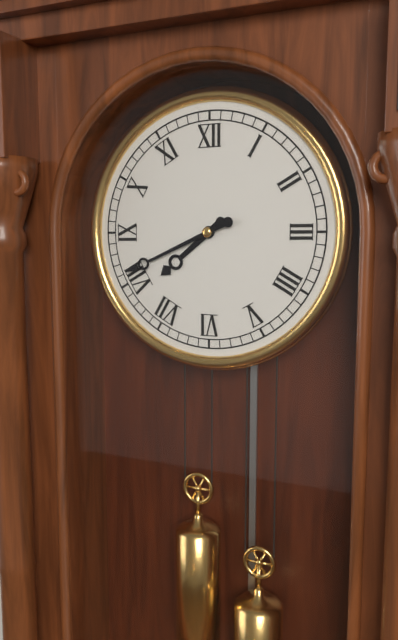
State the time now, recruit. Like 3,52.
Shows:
7,41
